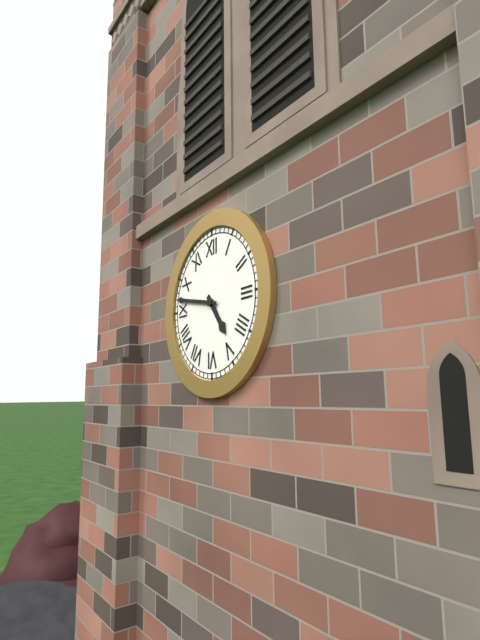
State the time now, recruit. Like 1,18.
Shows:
4,47
